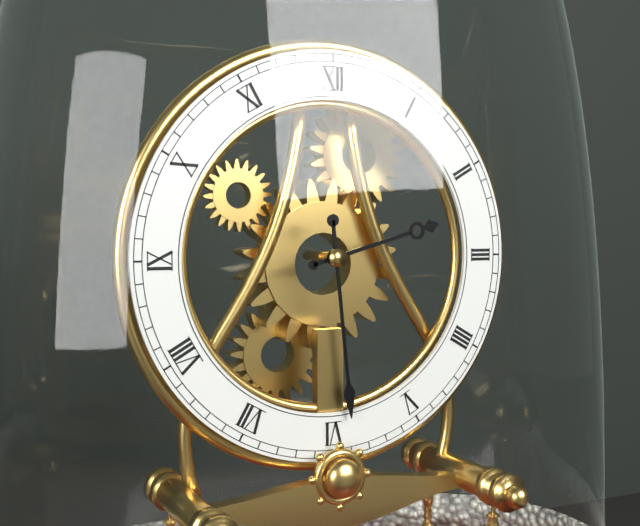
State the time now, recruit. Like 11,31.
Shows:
2,29
